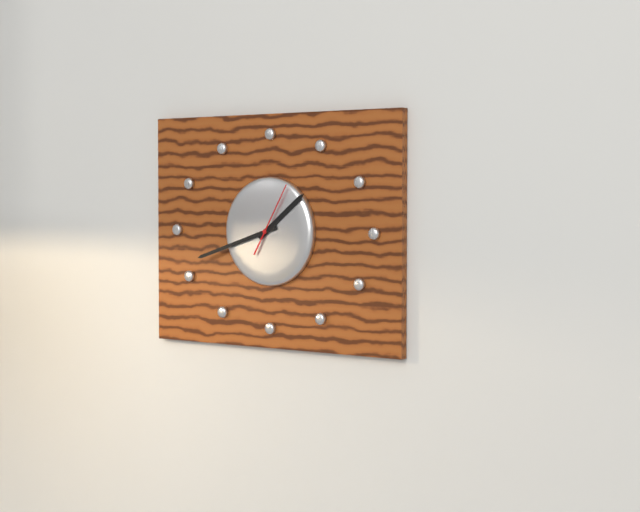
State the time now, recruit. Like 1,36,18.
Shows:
1,42,05
